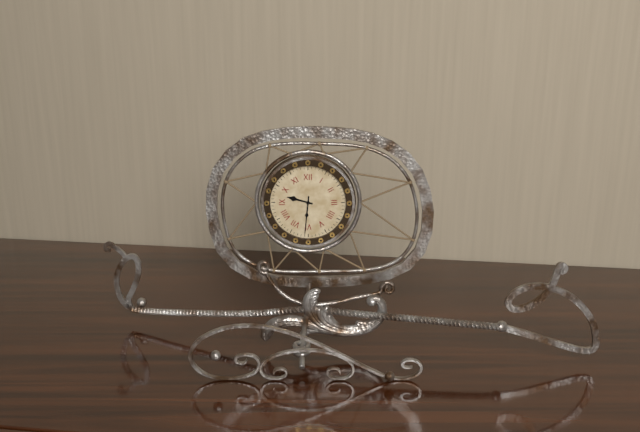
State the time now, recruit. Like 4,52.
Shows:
9,31
